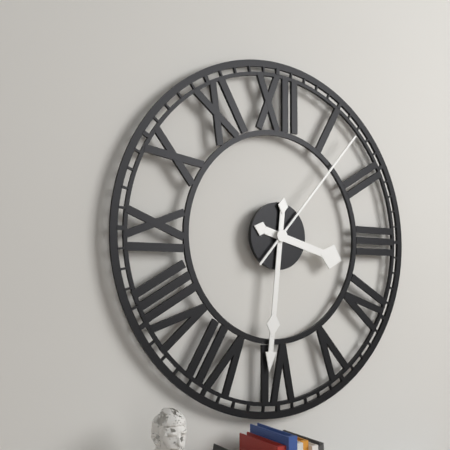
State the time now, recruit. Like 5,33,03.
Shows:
3,31,07
